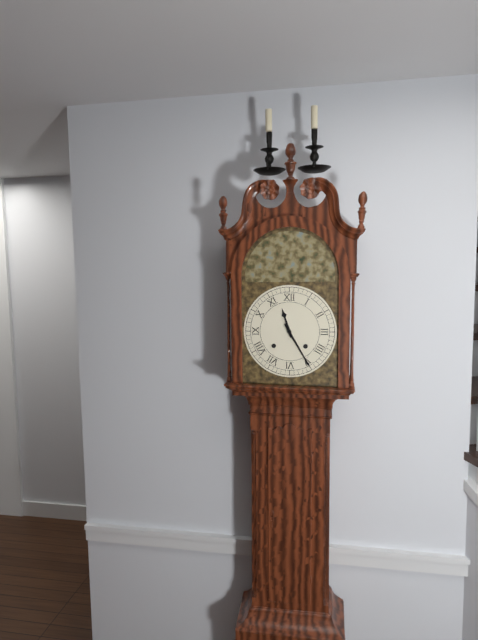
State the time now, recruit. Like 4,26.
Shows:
11,25
